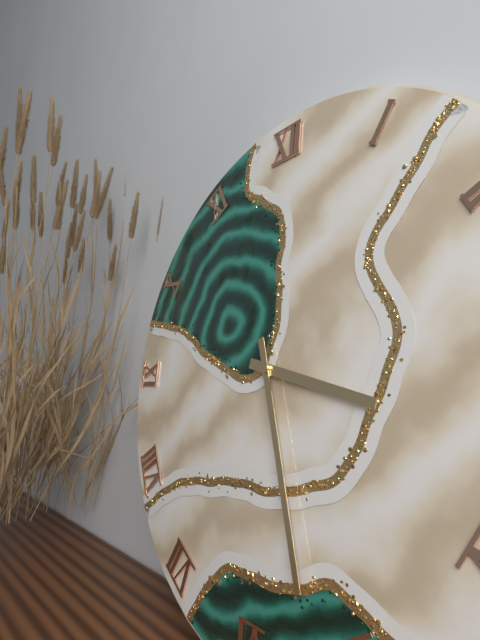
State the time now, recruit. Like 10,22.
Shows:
3,27
